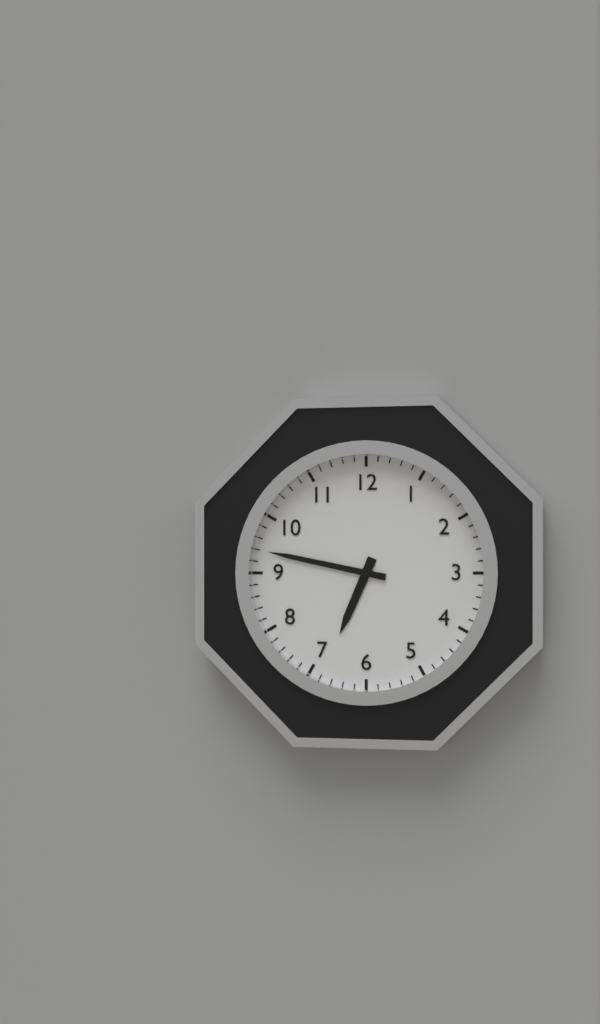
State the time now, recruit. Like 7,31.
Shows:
6,47
